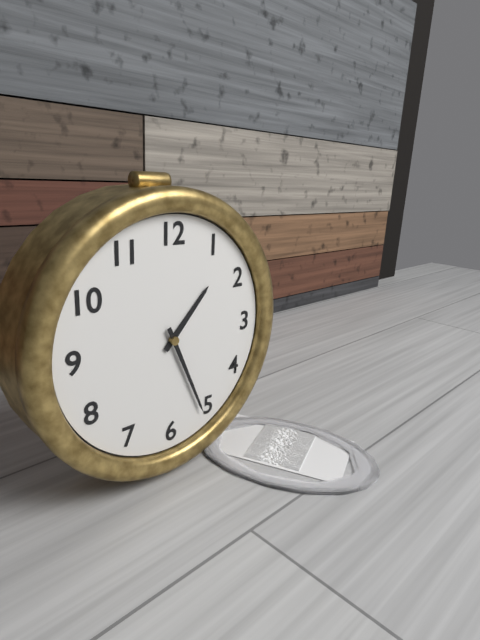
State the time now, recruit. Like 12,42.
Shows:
1,26
